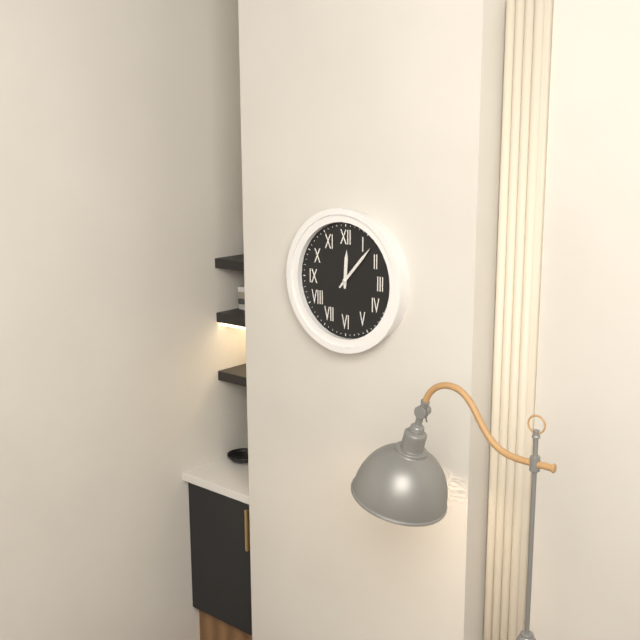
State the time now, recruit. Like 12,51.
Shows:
12,07
